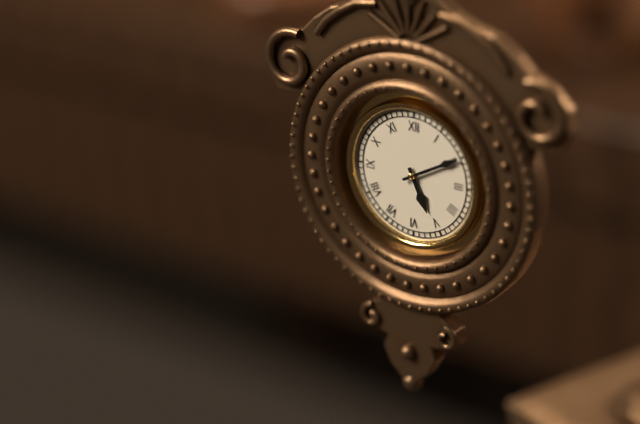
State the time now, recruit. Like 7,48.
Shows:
5,10
